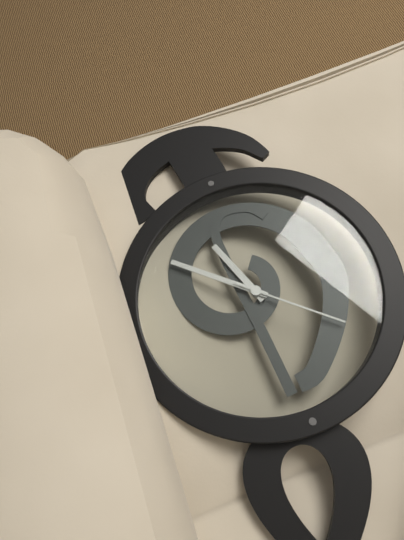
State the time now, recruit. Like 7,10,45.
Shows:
5,22,52
